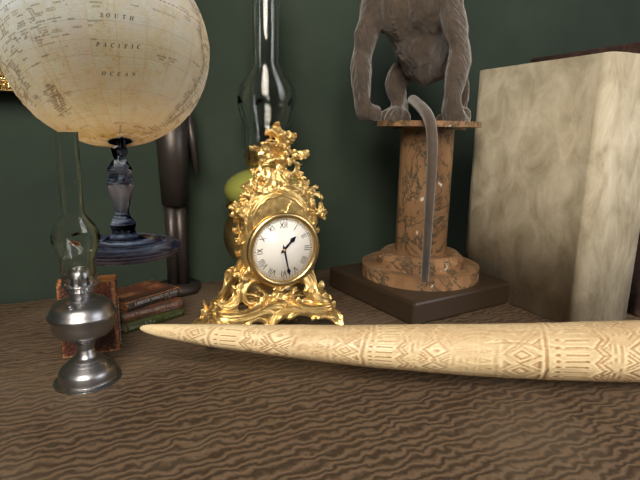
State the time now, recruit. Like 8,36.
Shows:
1,28
